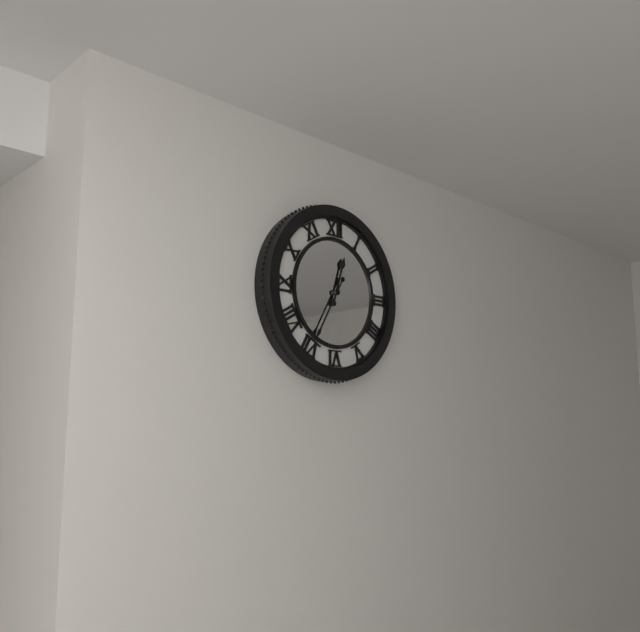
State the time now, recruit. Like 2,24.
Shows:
12,35
